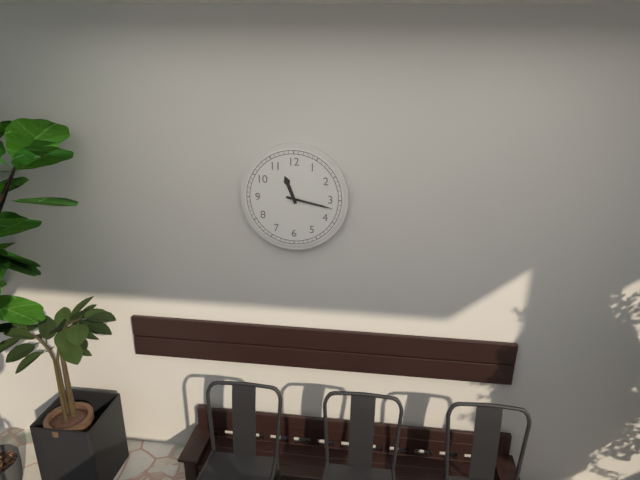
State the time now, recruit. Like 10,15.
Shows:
11,17
